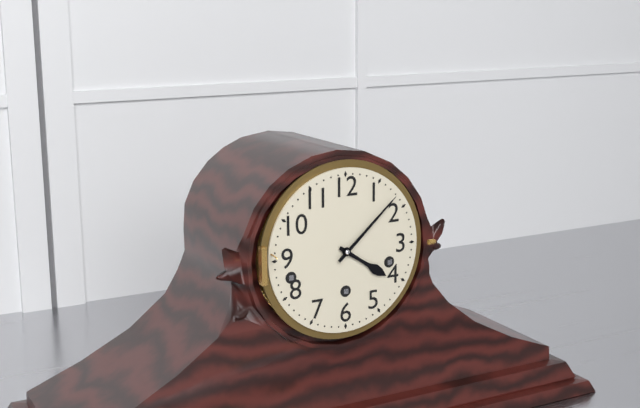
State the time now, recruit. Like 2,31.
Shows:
4,08
